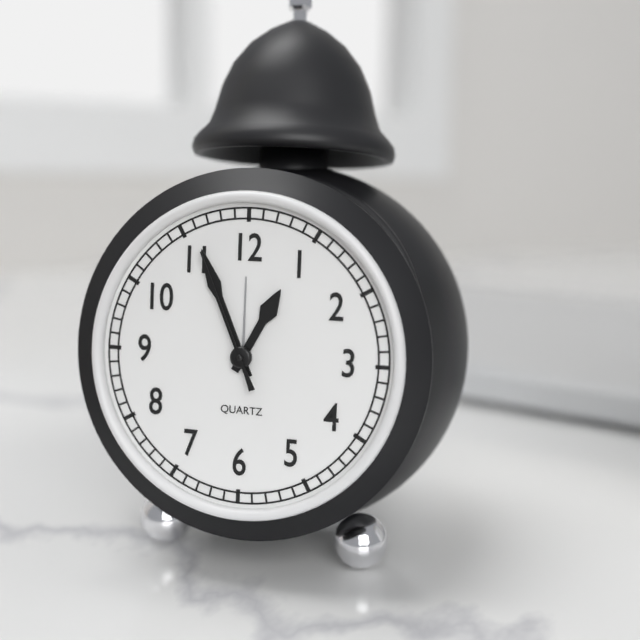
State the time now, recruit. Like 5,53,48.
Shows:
12,56,56
